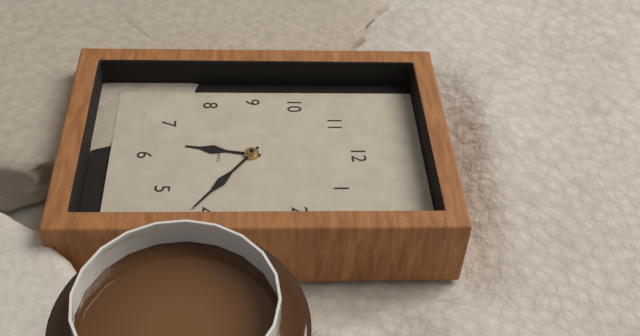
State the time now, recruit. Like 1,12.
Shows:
6,21
